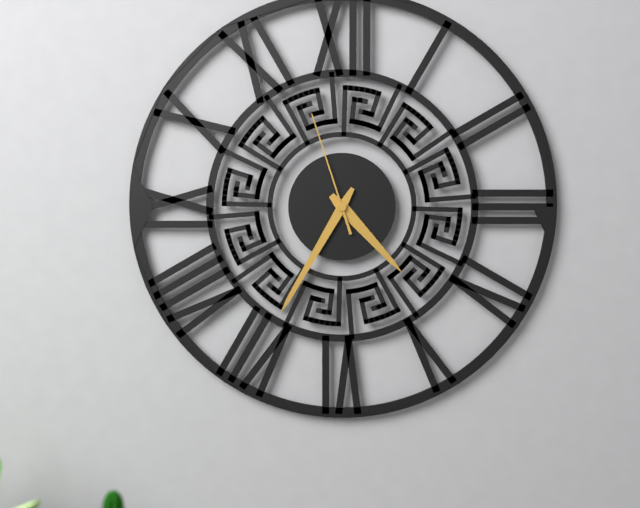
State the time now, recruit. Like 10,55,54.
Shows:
4,35,57
